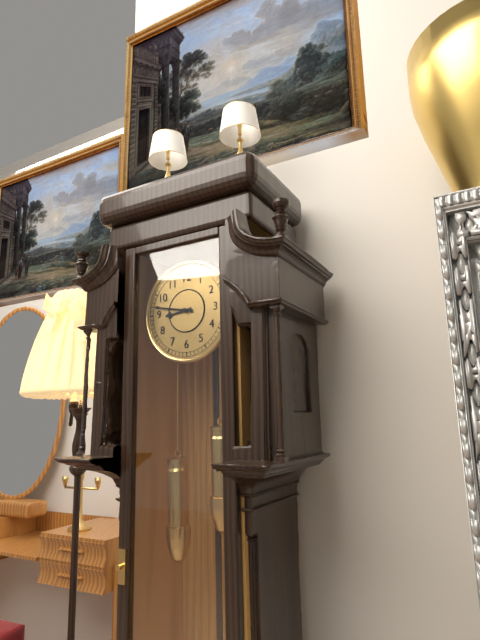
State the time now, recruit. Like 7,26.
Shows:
8,47
